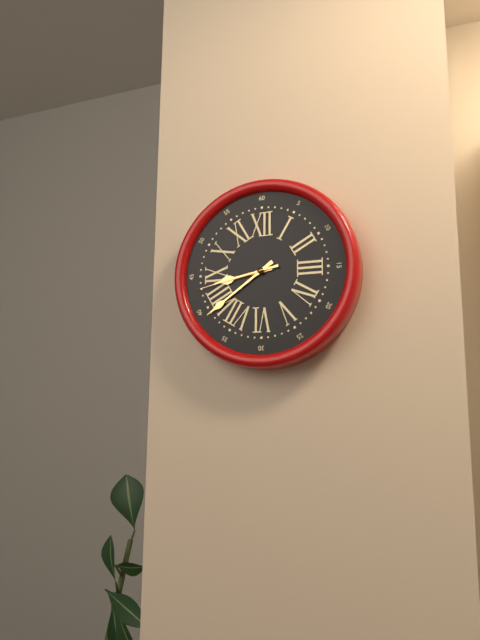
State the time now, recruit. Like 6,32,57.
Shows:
8,39,43
